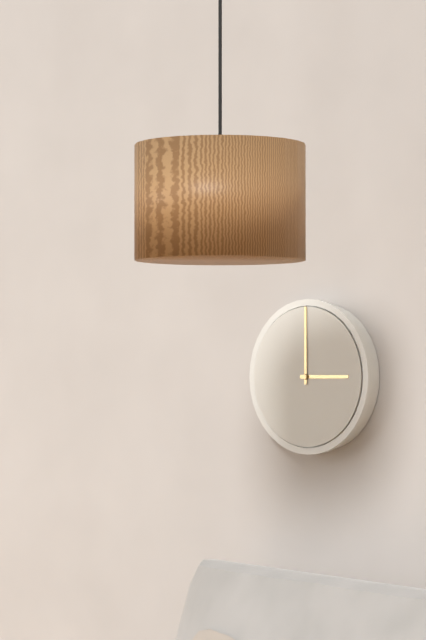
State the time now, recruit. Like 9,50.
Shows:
3,00
